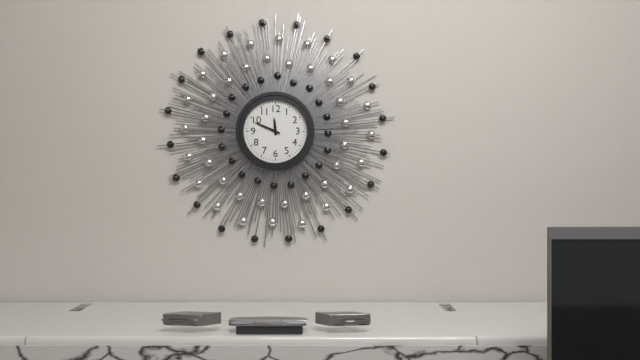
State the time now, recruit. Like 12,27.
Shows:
11,49
